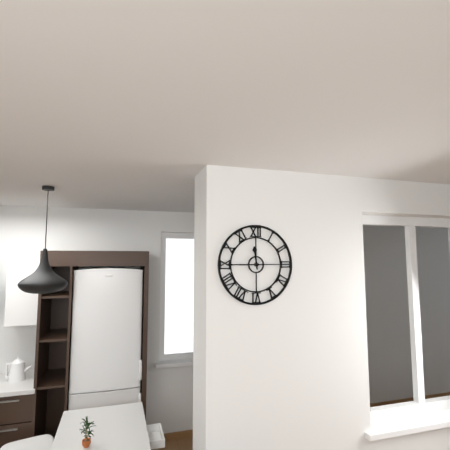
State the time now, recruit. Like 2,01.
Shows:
11,45
